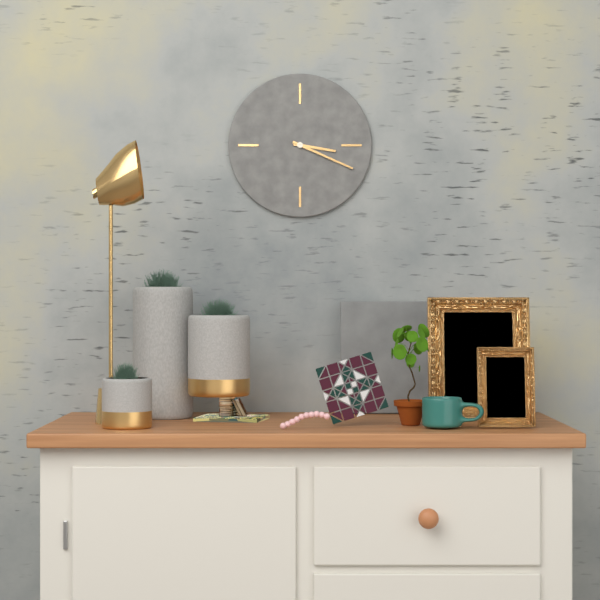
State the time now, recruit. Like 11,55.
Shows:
3,19
